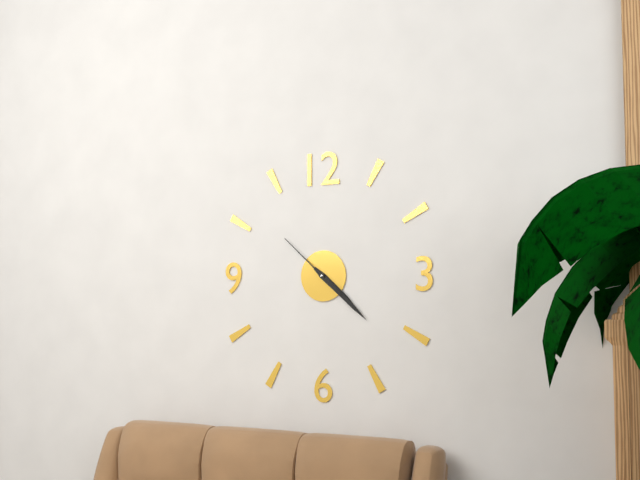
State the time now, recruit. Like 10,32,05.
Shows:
4,22,52
